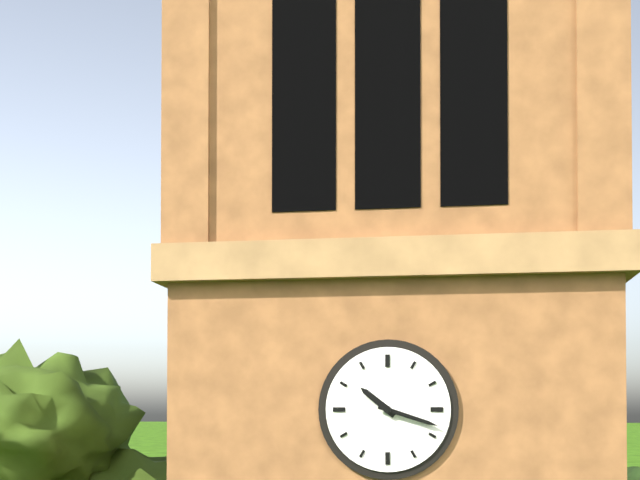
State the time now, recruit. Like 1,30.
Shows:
10,18
